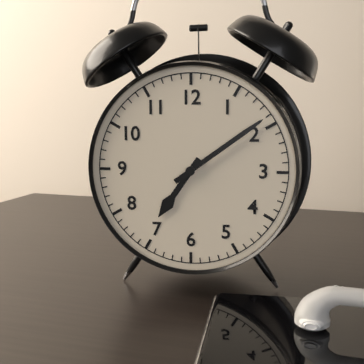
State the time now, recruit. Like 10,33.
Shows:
7,09
